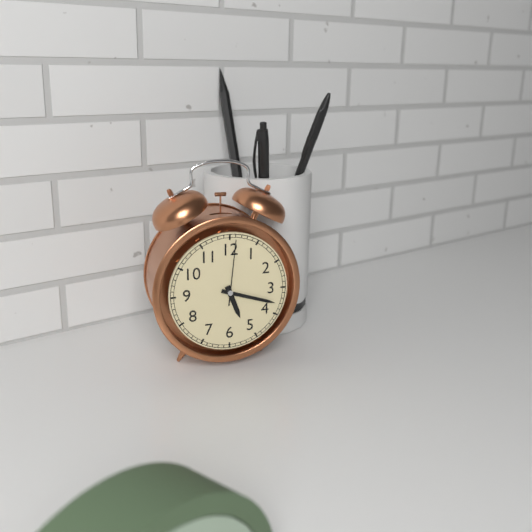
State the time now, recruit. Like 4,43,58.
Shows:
5,18,01
